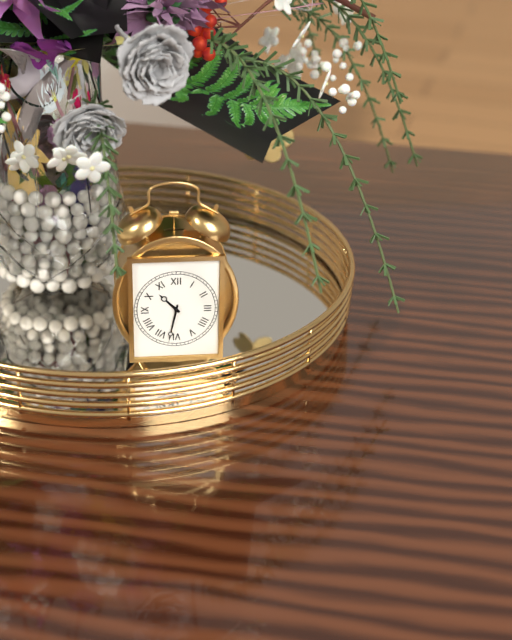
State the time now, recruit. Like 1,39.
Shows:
10,32
